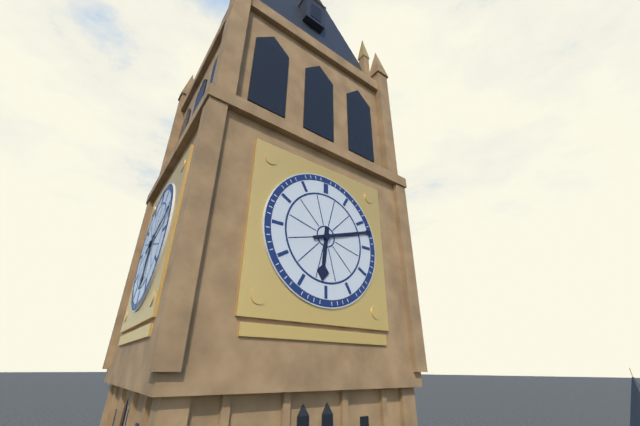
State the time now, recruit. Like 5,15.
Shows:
6,12
